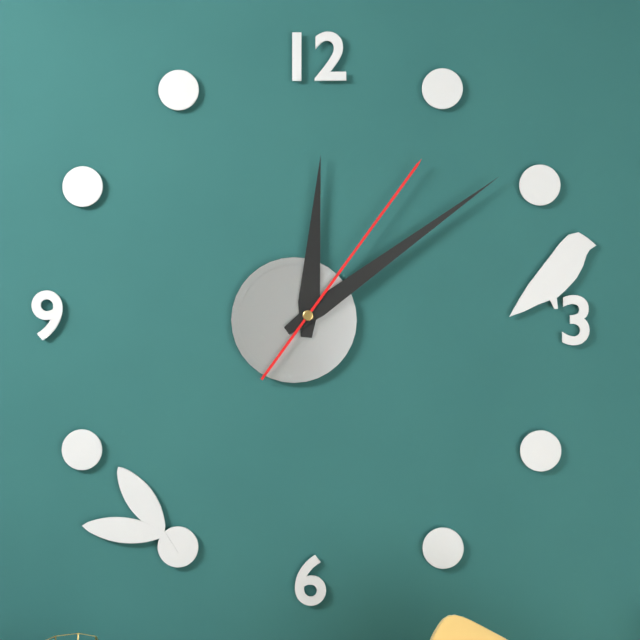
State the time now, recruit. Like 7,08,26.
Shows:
12,09,06
